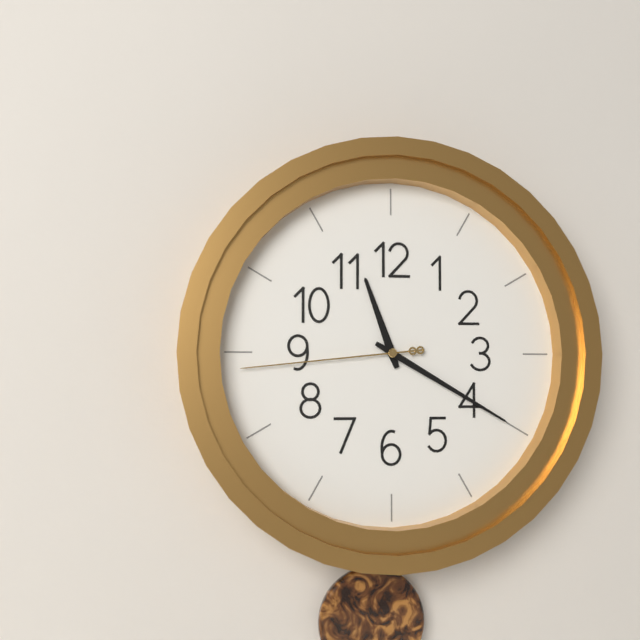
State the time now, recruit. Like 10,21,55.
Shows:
11,20,44
